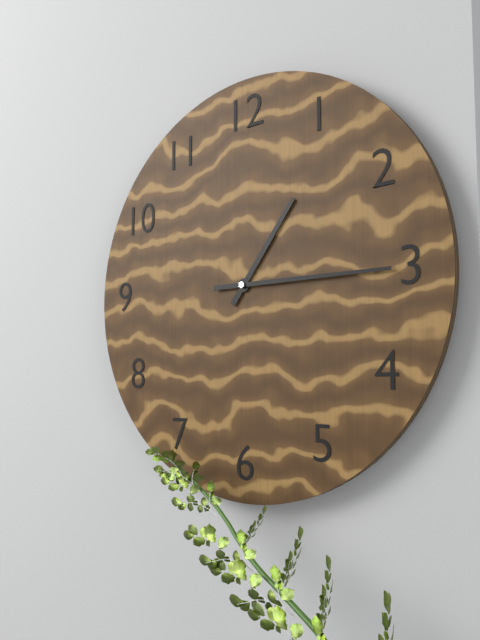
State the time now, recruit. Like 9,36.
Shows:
1,15
